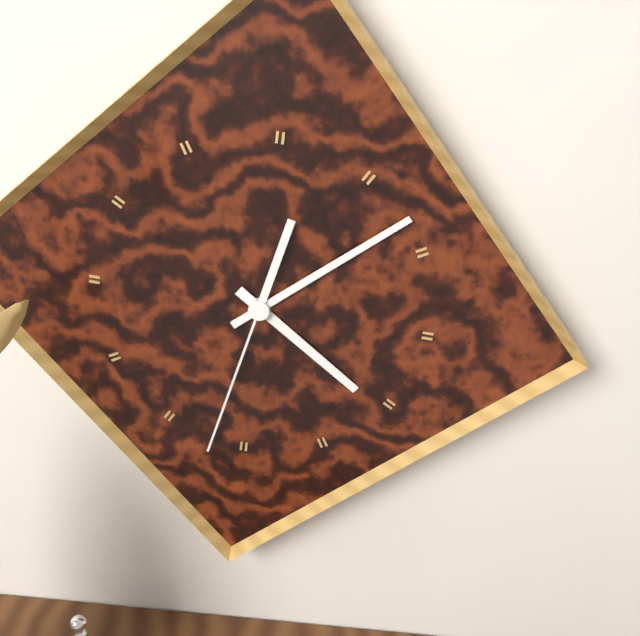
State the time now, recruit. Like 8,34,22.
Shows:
4,08,32
